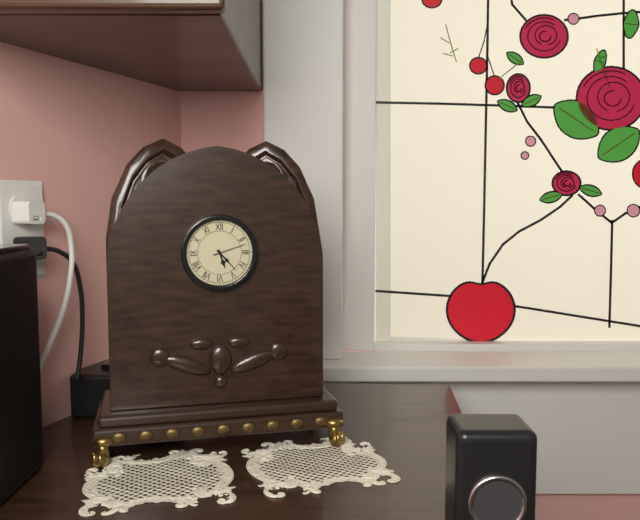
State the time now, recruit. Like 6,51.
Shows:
5,23
